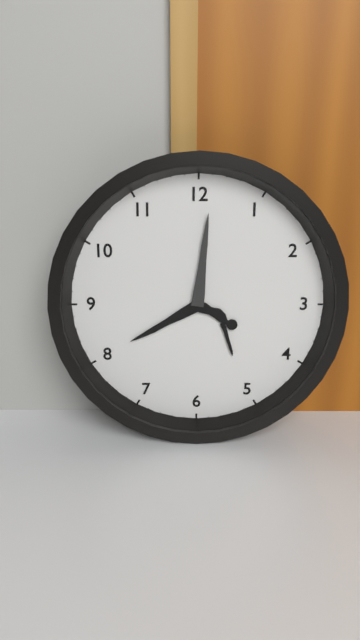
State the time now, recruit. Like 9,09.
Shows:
8,01
